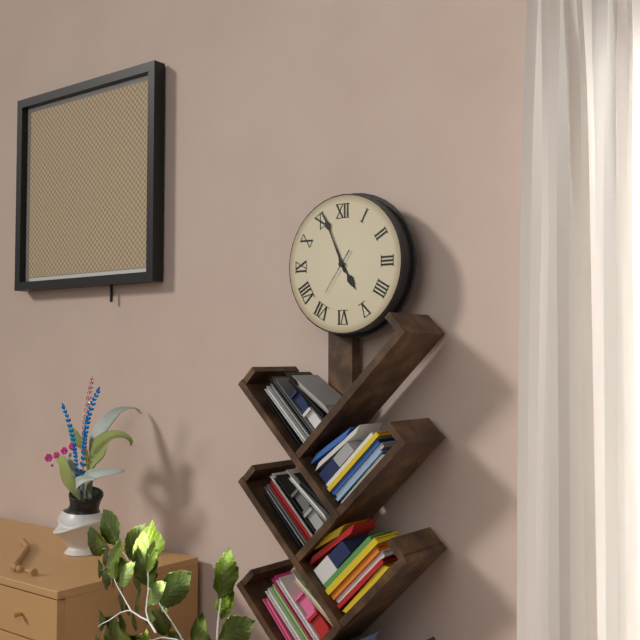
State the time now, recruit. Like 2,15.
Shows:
4,56
